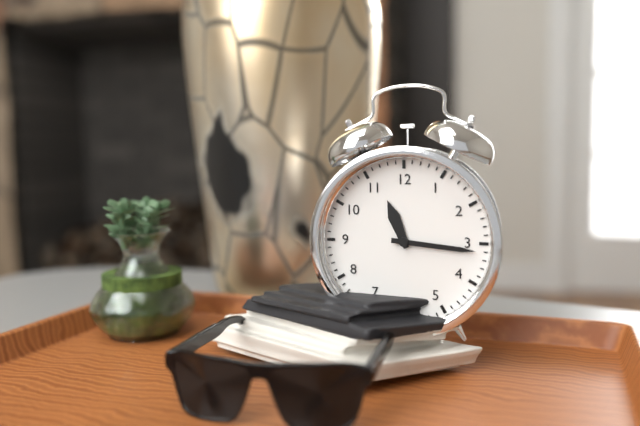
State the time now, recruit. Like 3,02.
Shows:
11,16
